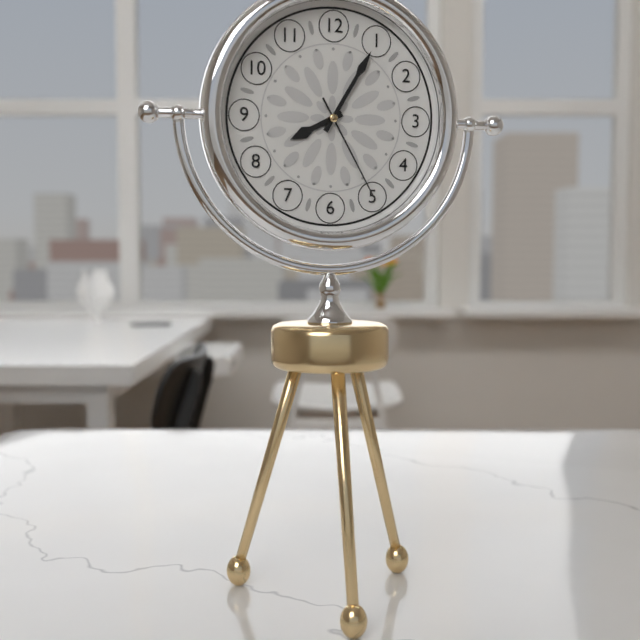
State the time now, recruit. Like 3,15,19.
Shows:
8,05,25
